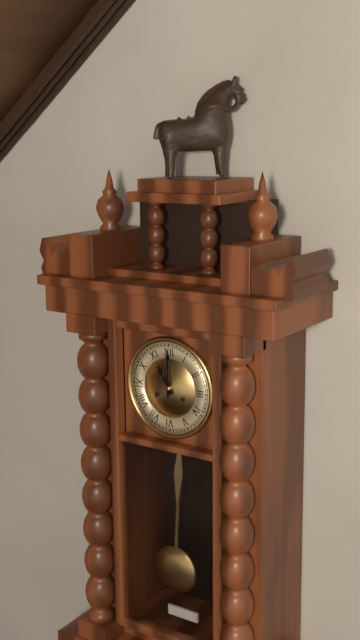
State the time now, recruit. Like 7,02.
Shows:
11,00
